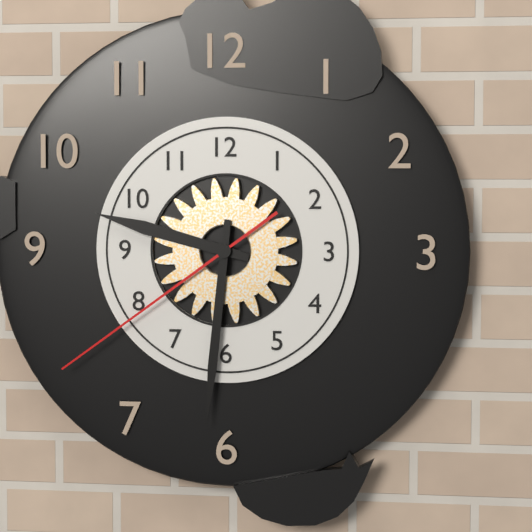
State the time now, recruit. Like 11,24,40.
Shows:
9,31,39
